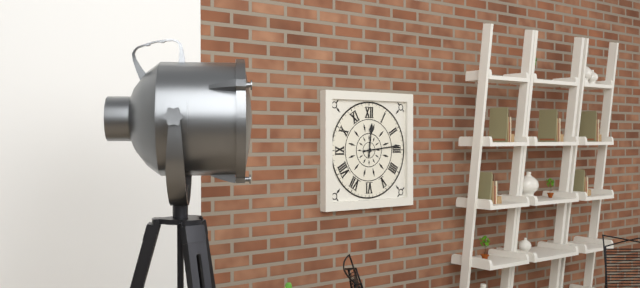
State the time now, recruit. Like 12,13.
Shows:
12,14
